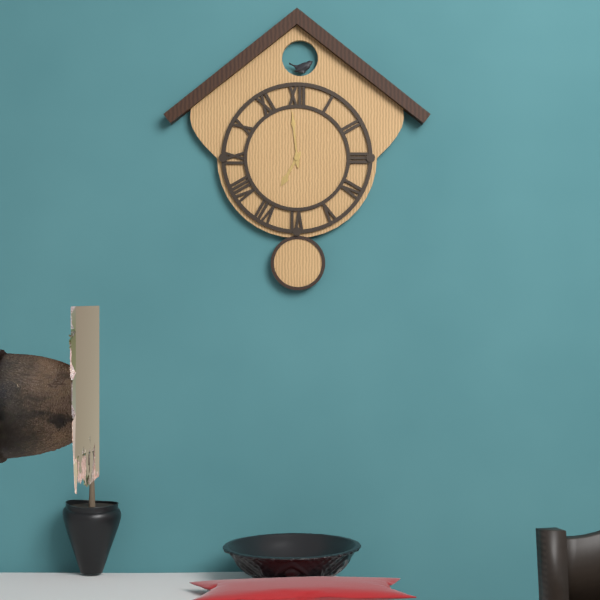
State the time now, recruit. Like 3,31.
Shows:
6,59
